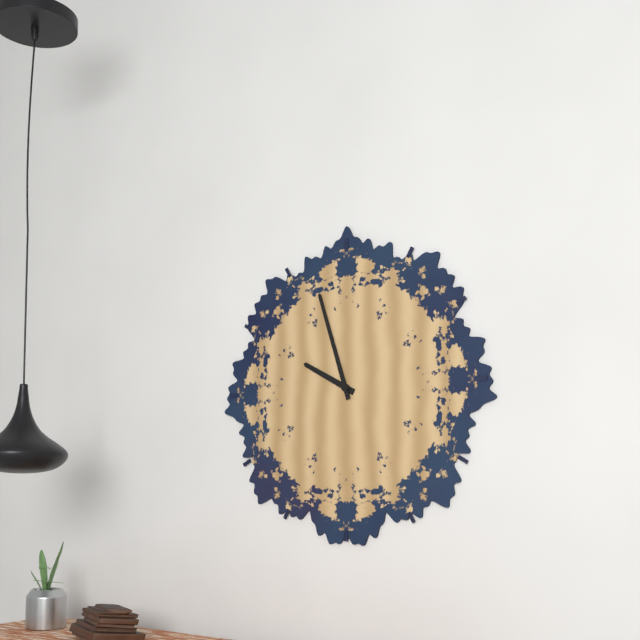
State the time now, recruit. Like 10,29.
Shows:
9,57
